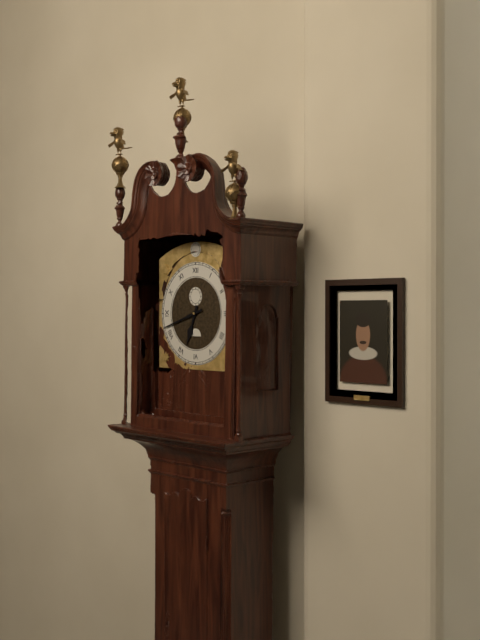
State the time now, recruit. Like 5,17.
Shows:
6,42
